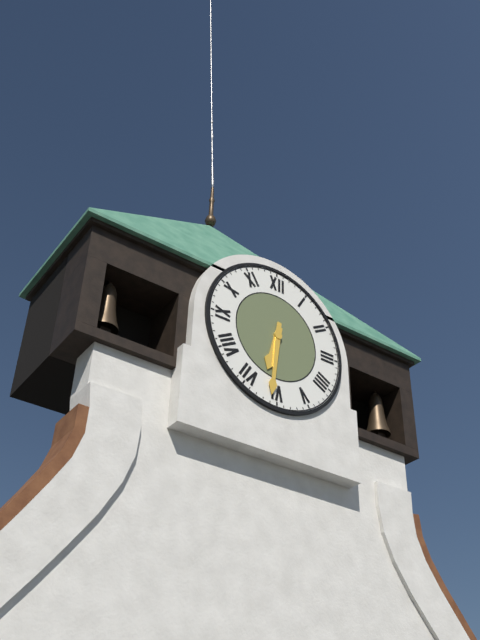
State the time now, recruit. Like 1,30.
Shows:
6,31
